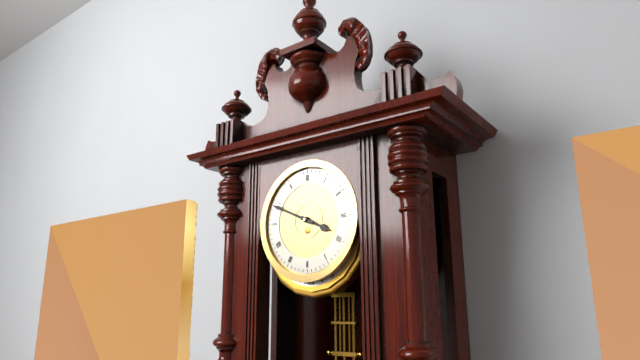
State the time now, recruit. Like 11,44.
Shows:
3,49
